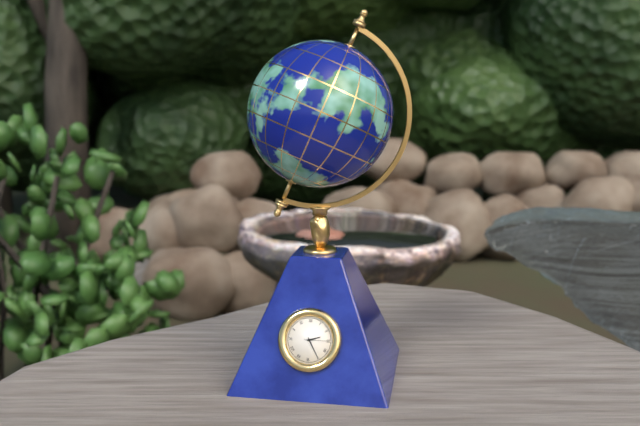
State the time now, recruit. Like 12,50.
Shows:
2,25
